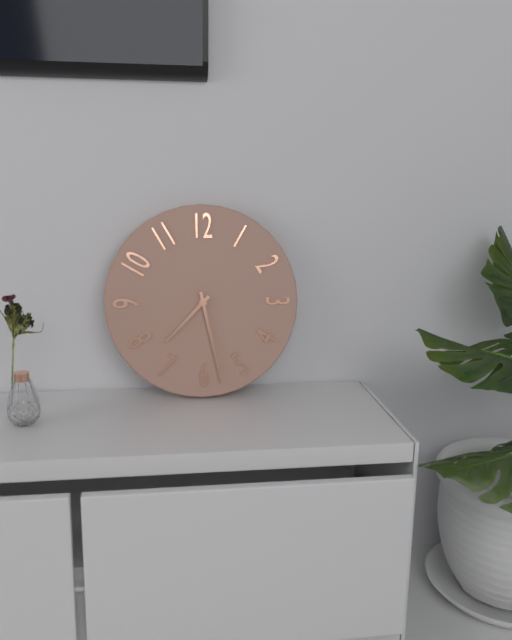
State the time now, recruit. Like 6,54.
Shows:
7,28
